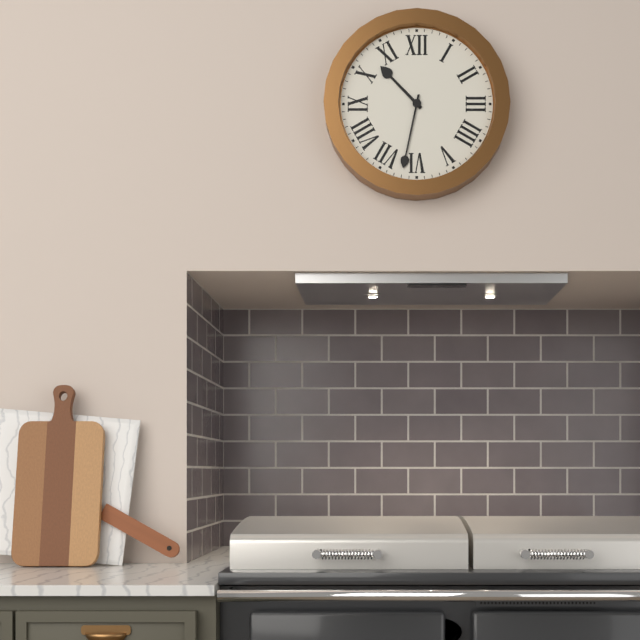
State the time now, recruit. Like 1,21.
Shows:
10,32
